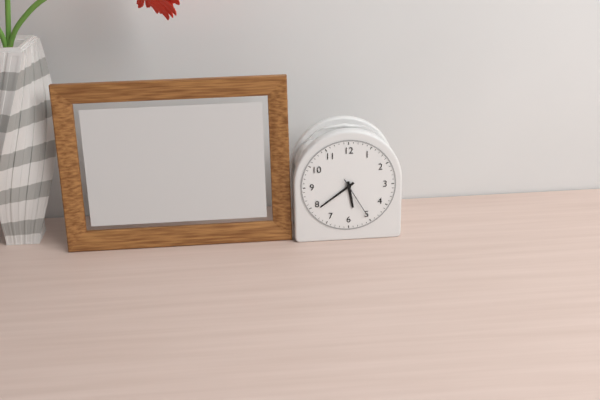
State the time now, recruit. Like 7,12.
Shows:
5,39
